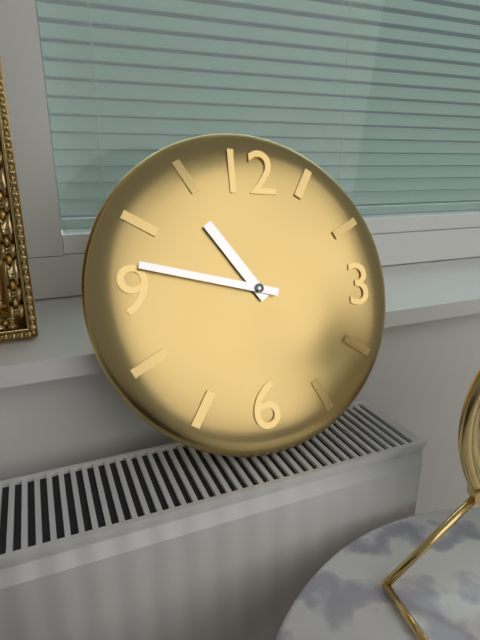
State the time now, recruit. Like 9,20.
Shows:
10,47
